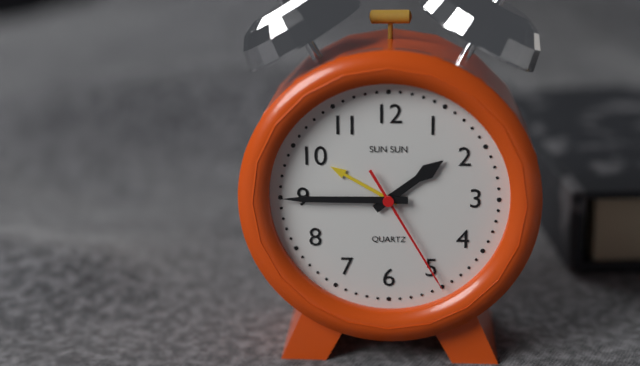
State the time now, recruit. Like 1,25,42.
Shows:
1,45,25
